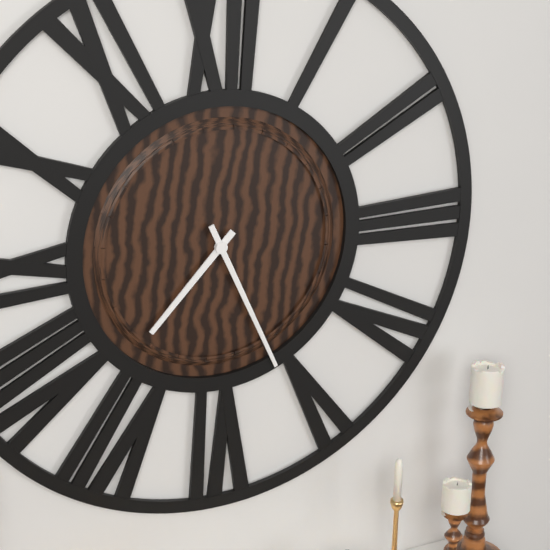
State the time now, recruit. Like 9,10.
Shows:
7,26
